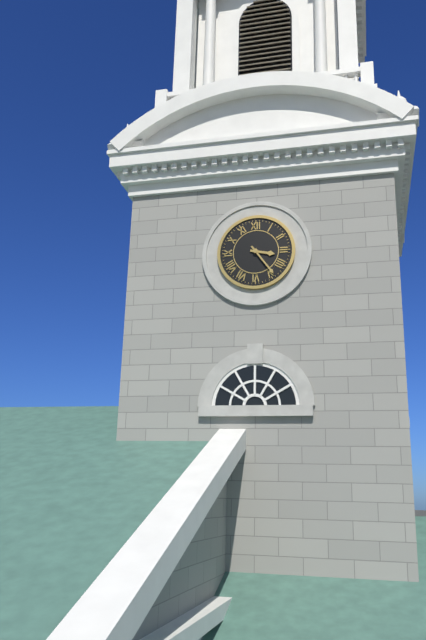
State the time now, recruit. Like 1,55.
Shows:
3,24
